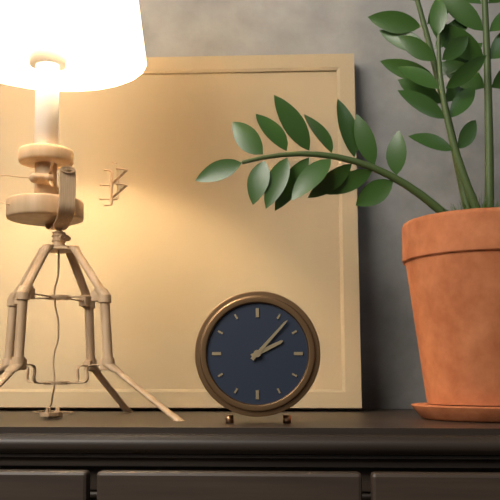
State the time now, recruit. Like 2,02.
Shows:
2,07
